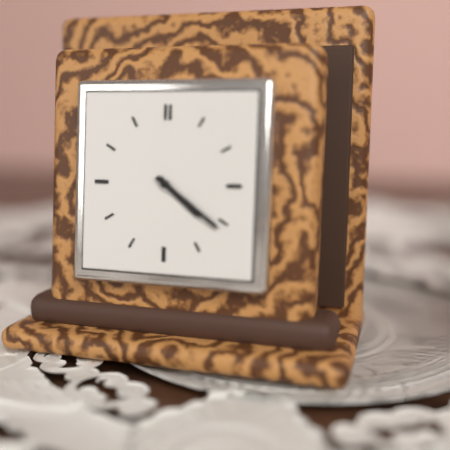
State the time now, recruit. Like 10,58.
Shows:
4,21
